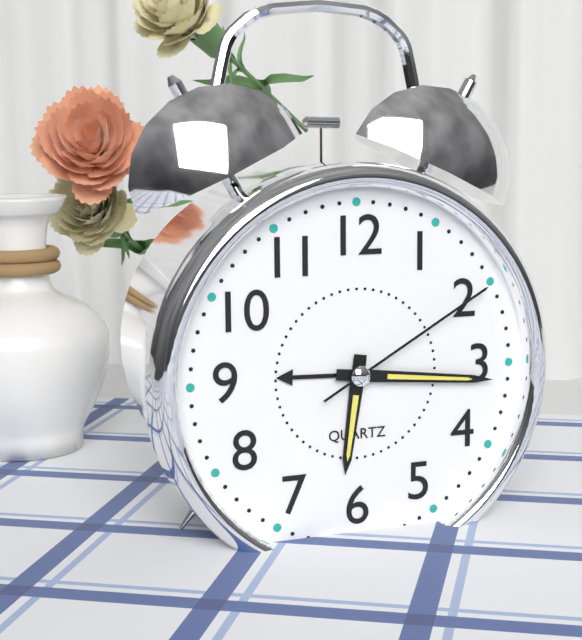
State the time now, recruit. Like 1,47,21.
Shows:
6,16,10
